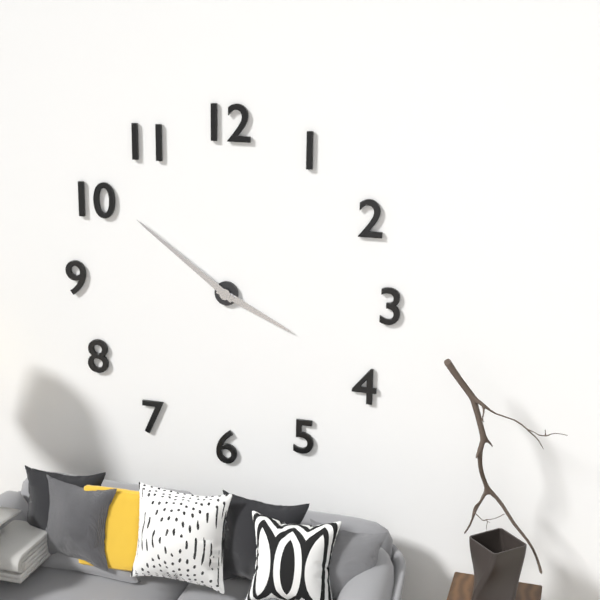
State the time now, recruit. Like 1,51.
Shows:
3,51
